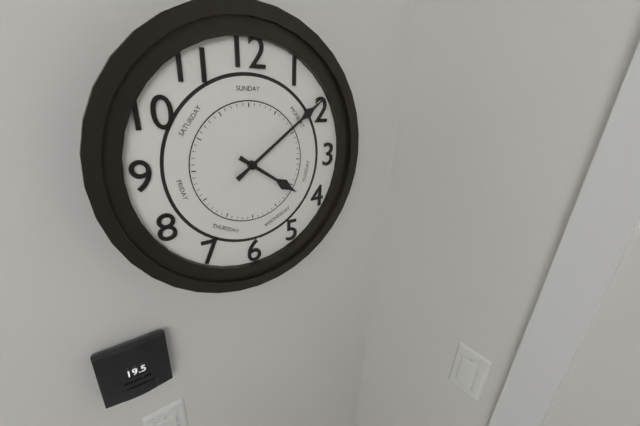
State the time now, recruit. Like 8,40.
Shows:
4,09
